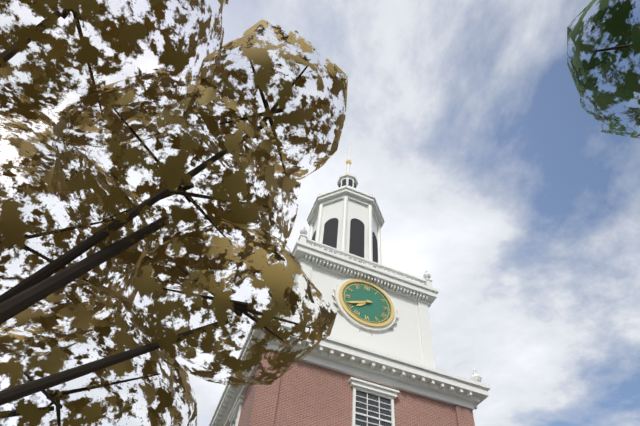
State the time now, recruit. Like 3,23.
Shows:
7,41
